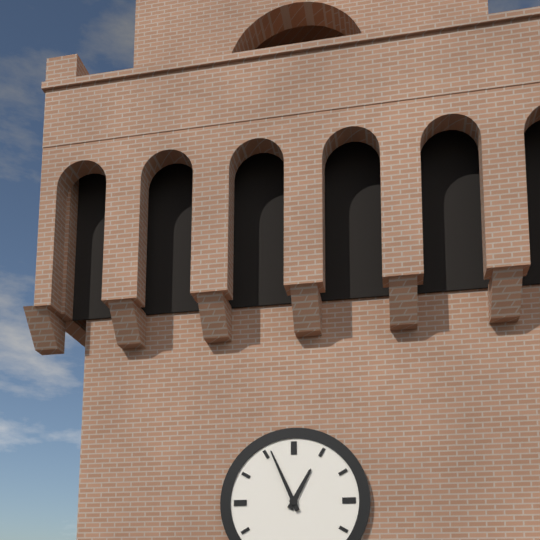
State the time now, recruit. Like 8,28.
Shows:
12,56
